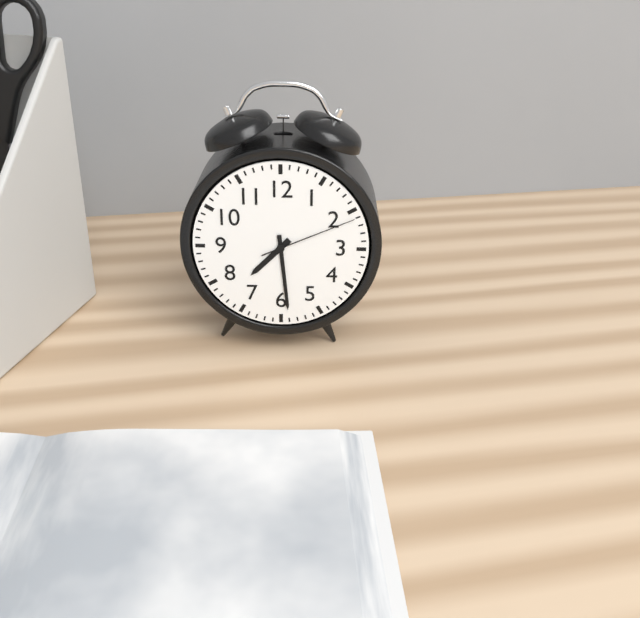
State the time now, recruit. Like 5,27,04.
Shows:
7,29,11
